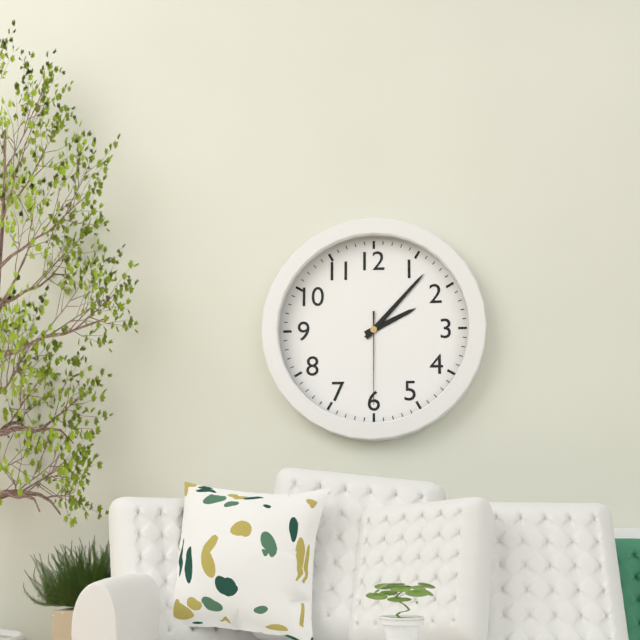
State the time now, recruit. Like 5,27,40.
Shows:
2,07,30
